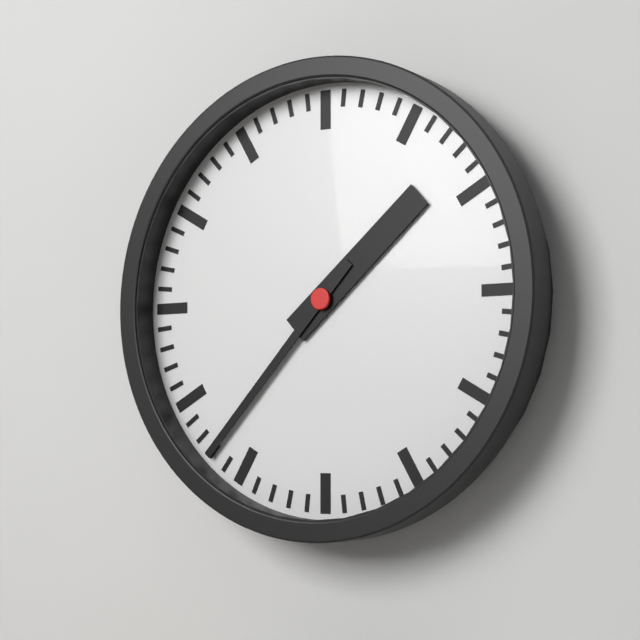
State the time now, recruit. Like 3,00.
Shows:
1,37
